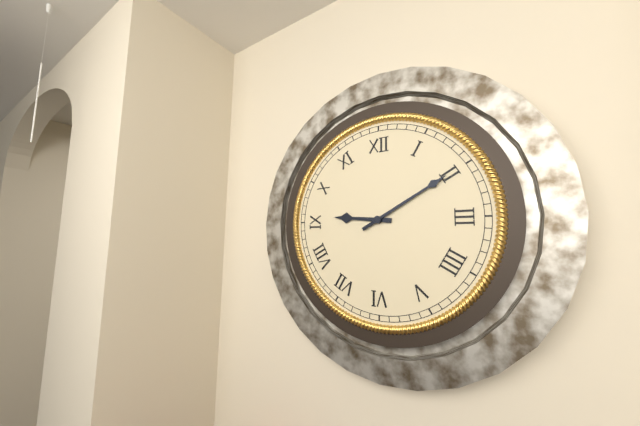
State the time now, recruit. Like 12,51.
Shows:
9,10
